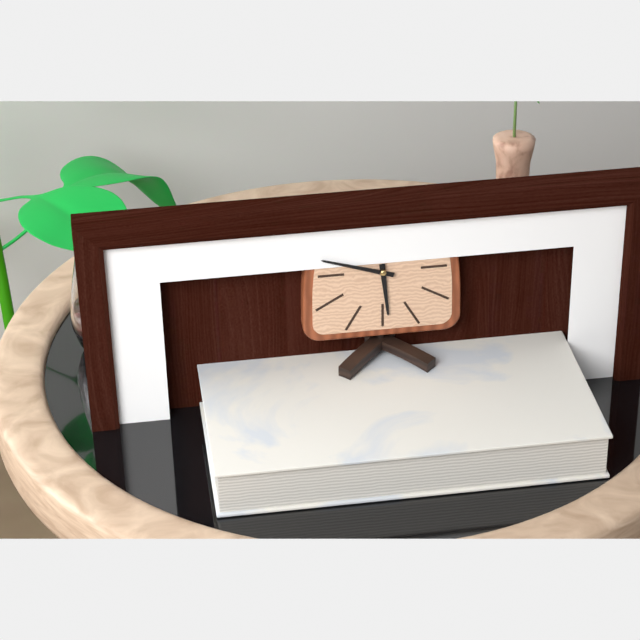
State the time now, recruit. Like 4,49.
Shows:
5,48
